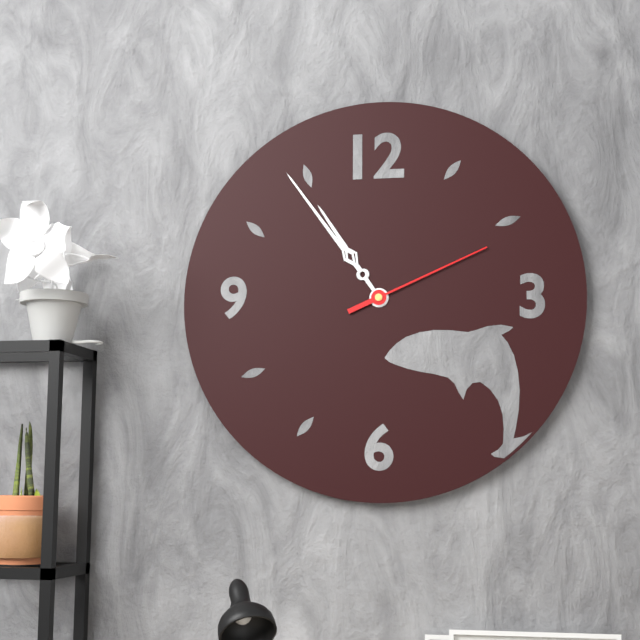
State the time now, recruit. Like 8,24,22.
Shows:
10,54,11
